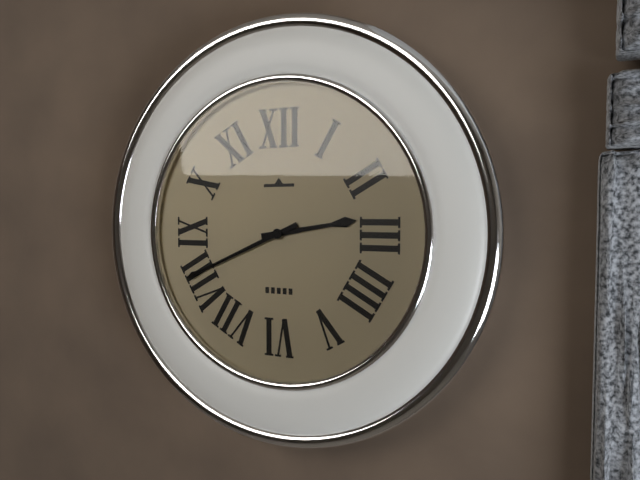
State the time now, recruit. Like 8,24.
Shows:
2,41
